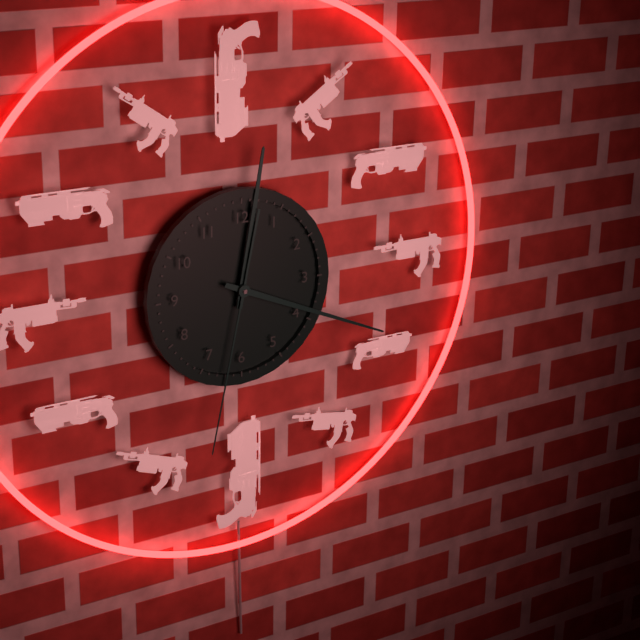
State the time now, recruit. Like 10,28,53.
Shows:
12,19,32
